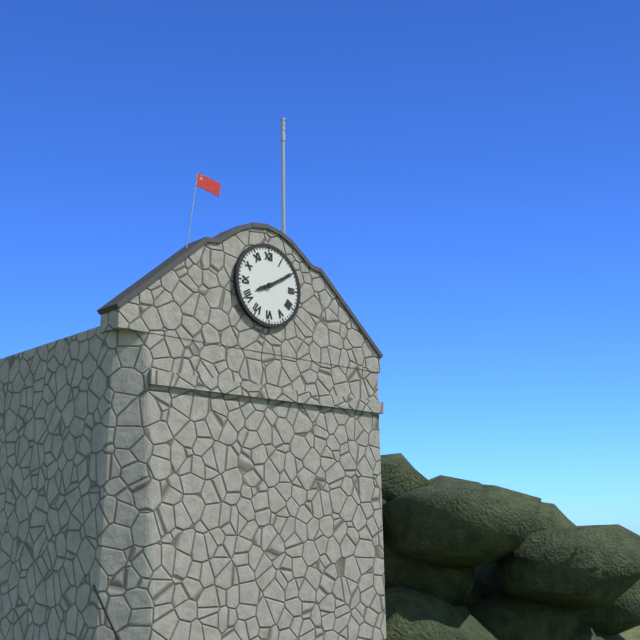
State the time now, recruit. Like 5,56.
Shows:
8,10
